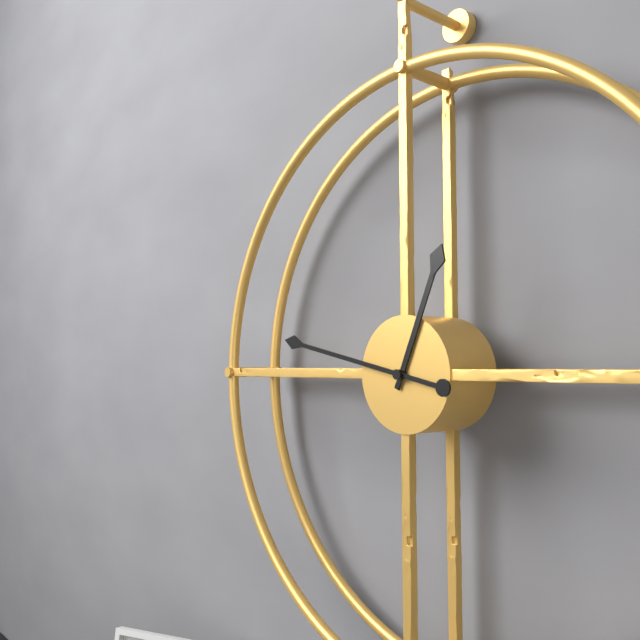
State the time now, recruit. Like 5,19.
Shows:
12,47
